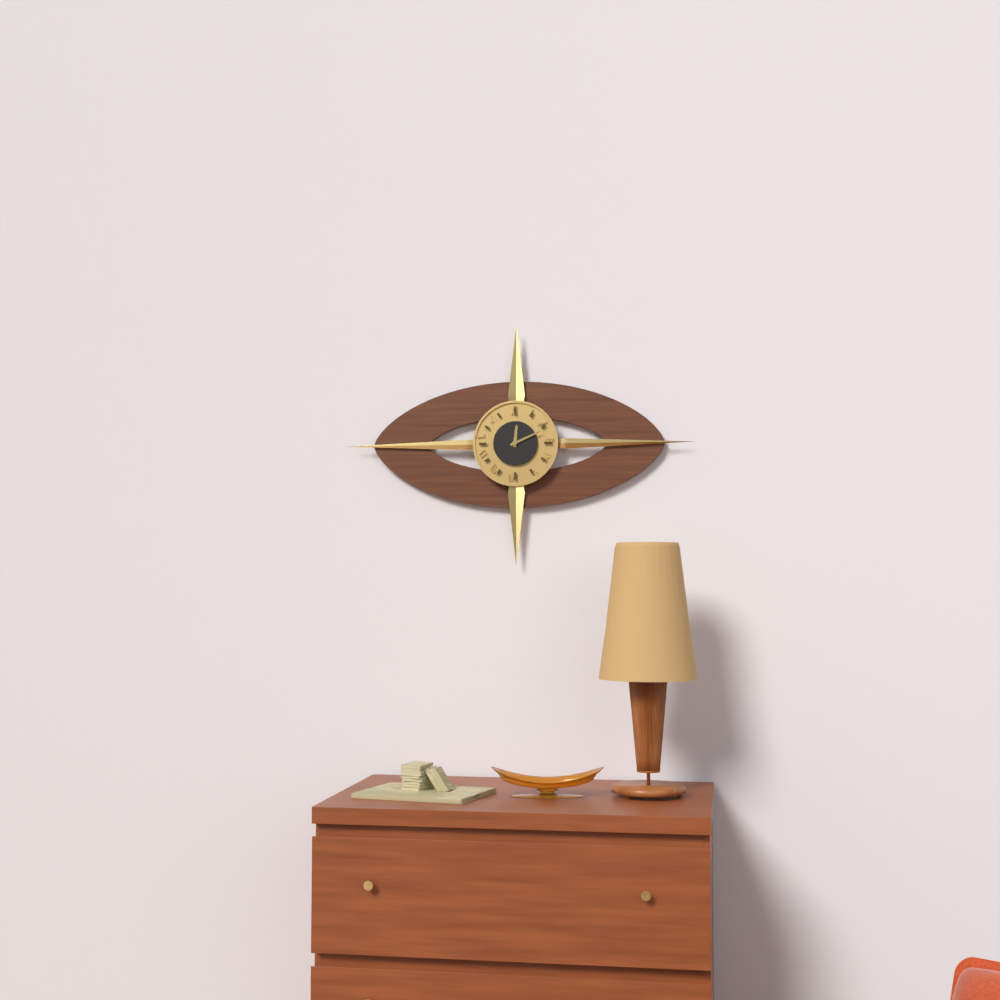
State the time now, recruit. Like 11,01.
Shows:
12,11
